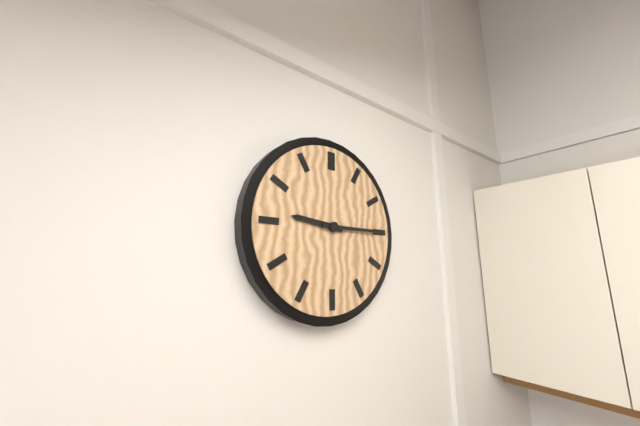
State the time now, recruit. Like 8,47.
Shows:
9,15
